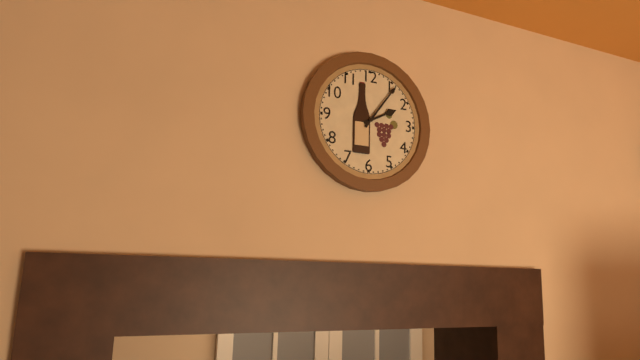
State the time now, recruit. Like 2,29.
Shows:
2,06
